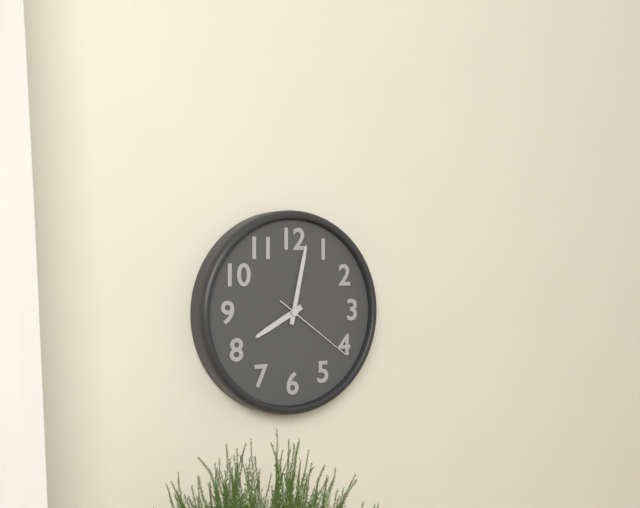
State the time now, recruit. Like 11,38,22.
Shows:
8,02,21
